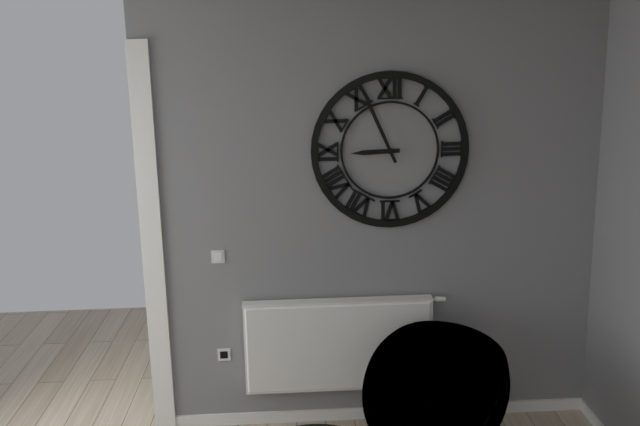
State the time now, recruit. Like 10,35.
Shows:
8,56
